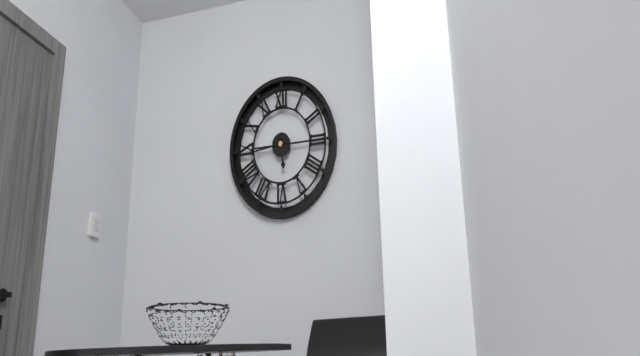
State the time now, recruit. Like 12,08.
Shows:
5,44
